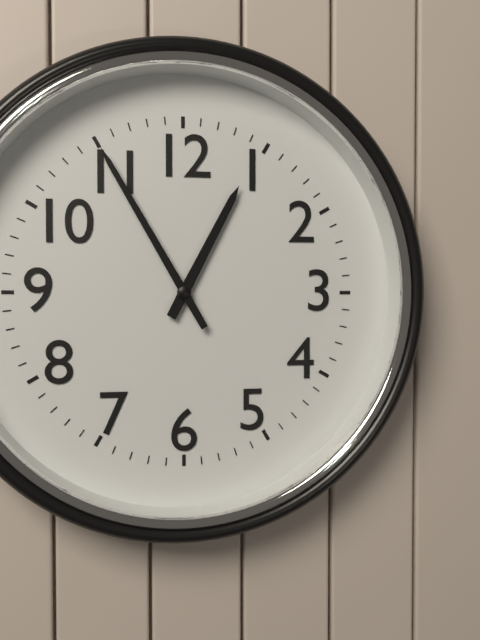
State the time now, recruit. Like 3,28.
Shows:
12,55
